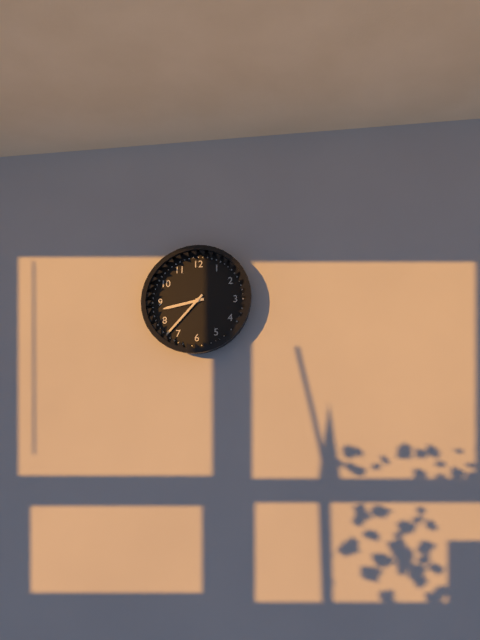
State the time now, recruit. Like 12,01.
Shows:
8,37
